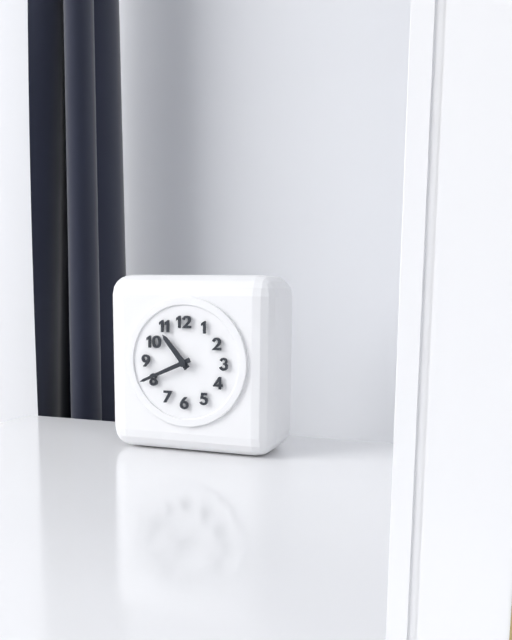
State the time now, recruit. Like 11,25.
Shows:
10,41
